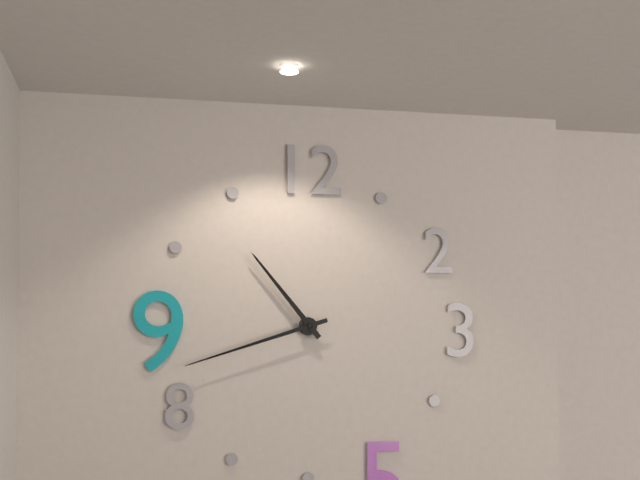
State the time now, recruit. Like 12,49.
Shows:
10,42
